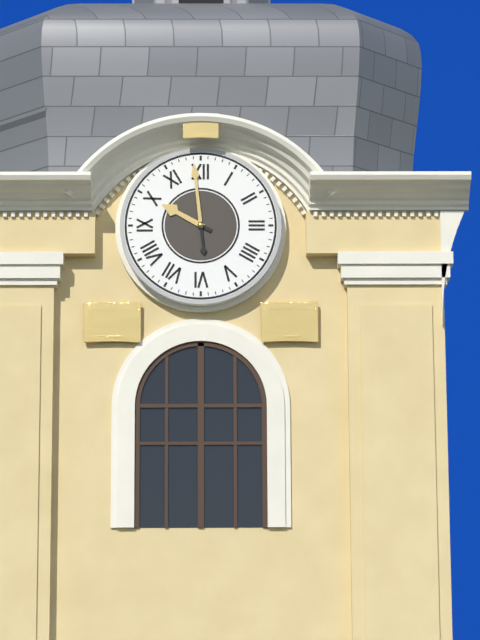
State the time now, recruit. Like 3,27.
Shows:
9,59
